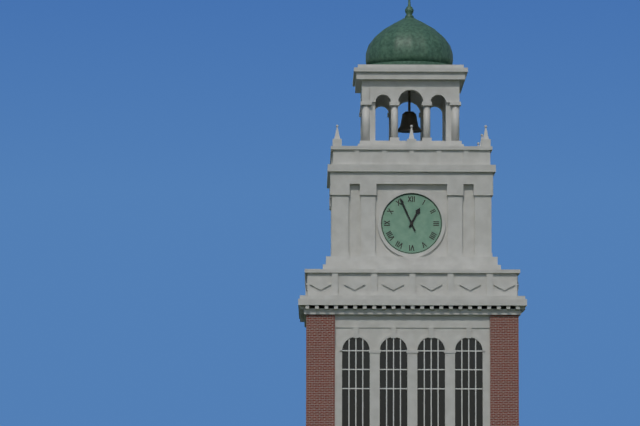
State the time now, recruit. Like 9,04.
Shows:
12,56
